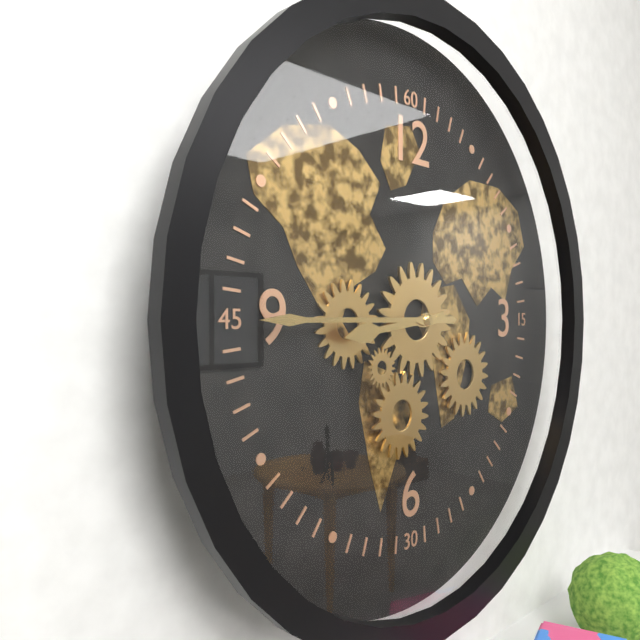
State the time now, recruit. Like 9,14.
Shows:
8,45
